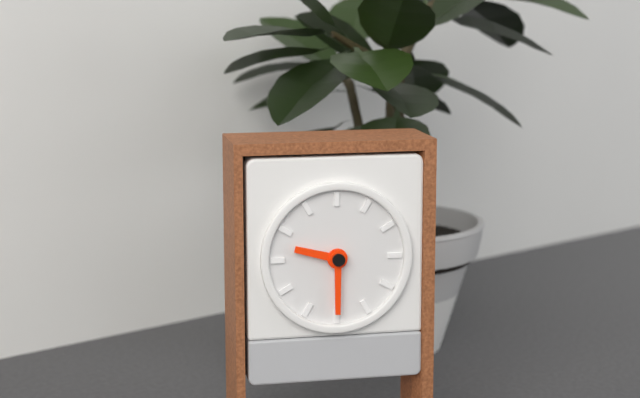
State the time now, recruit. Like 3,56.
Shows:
9,30
